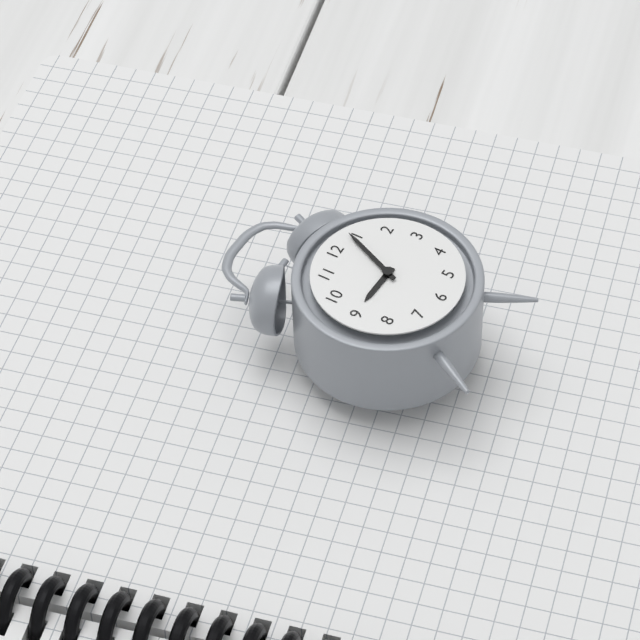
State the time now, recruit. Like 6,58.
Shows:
9,04
